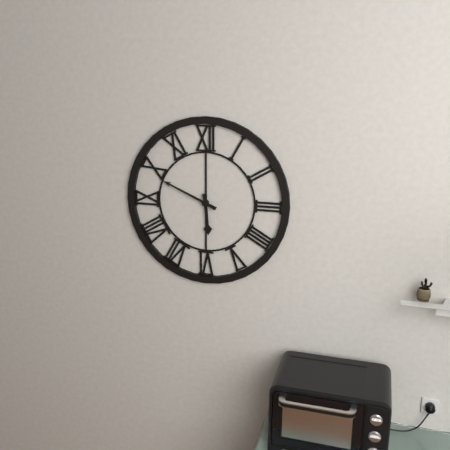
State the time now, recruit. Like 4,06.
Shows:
5,49
